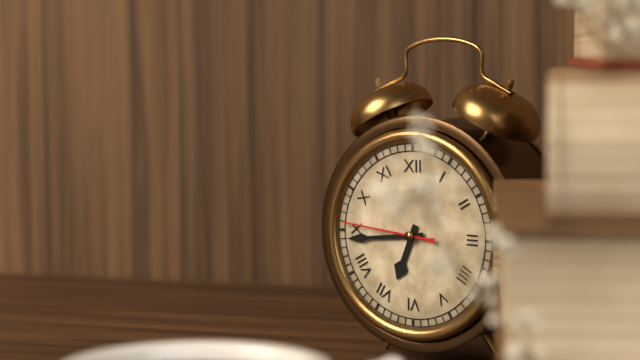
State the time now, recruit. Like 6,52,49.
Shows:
6,44,46
